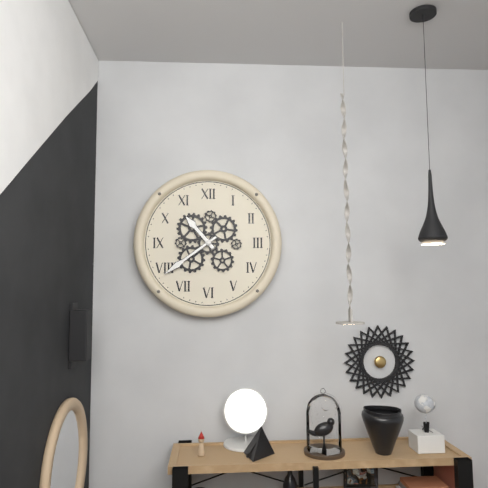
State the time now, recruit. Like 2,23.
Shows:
10,39
